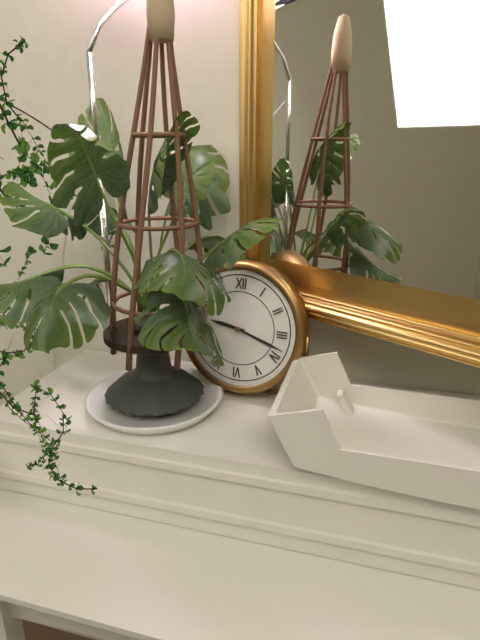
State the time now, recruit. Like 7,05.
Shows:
9,18
